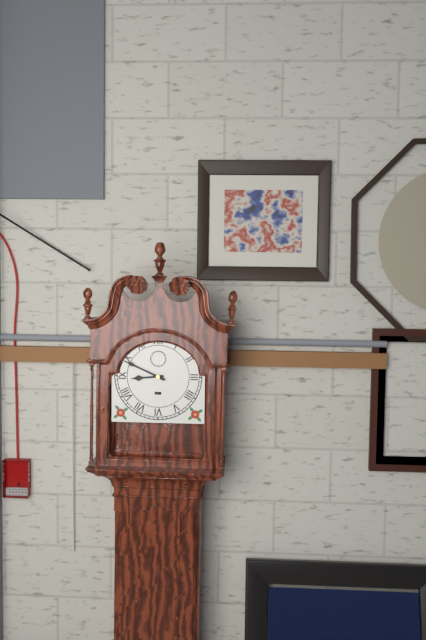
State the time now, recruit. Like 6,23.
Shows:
8,49
